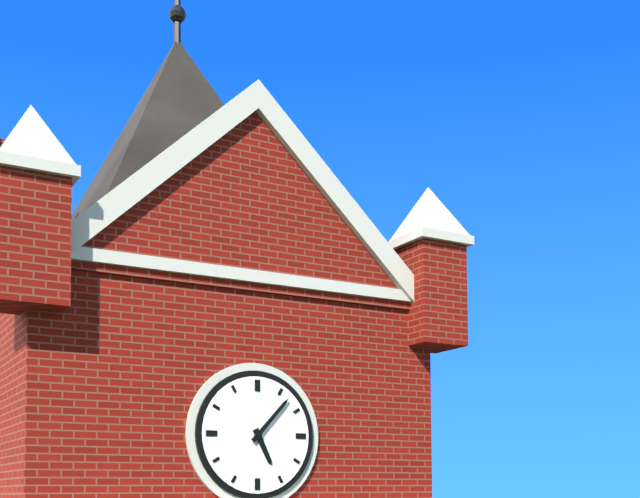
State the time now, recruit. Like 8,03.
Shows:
5,07
